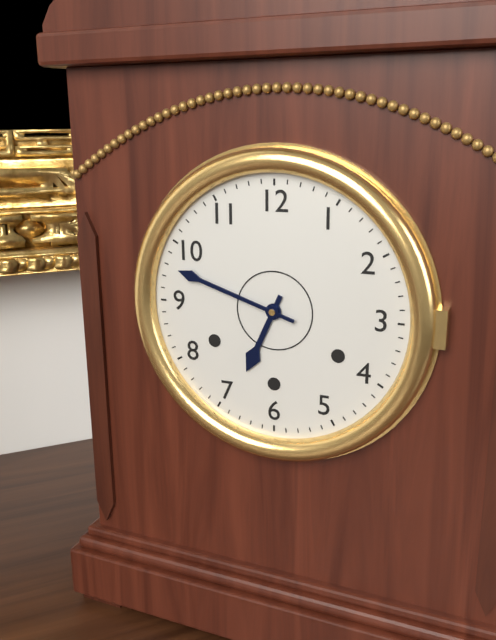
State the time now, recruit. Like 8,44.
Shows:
6,48
